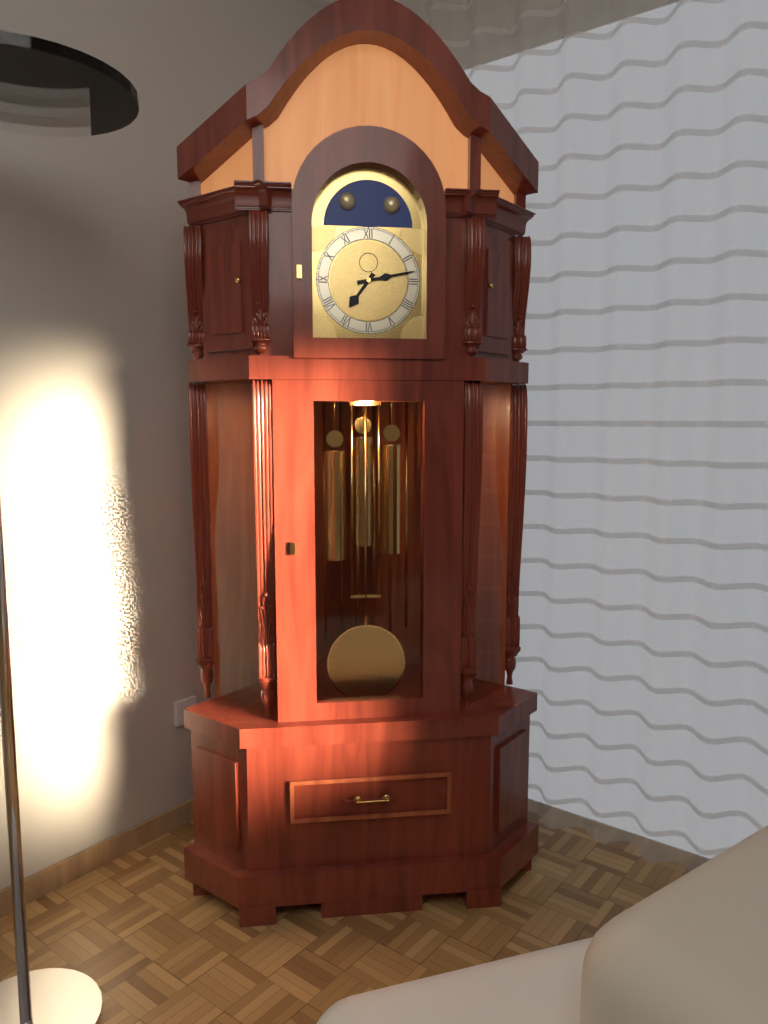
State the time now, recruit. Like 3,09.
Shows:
7,13
